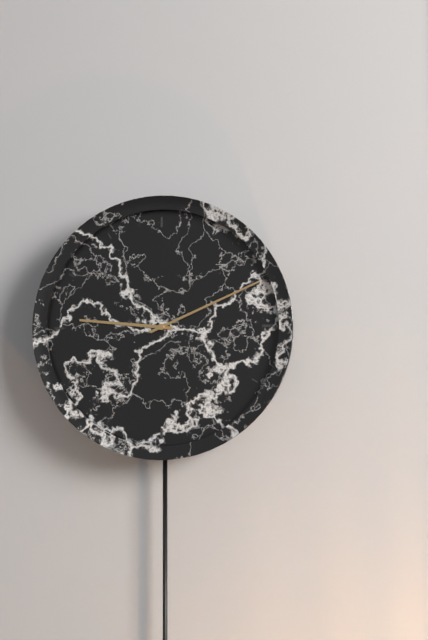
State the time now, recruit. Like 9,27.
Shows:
9,11
